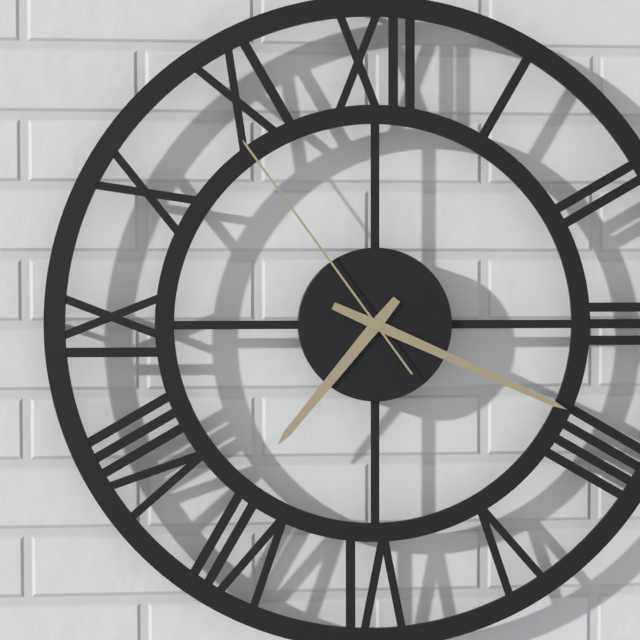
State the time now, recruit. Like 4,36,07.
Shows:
7,19,54
